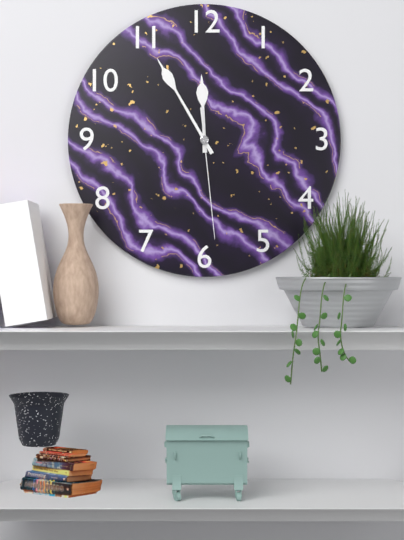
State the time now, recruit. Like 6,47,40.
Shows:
11,55,29
